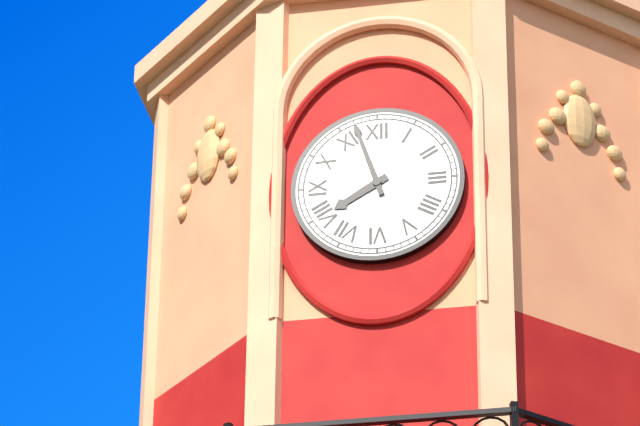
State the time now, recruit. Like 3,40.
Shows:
7,57
